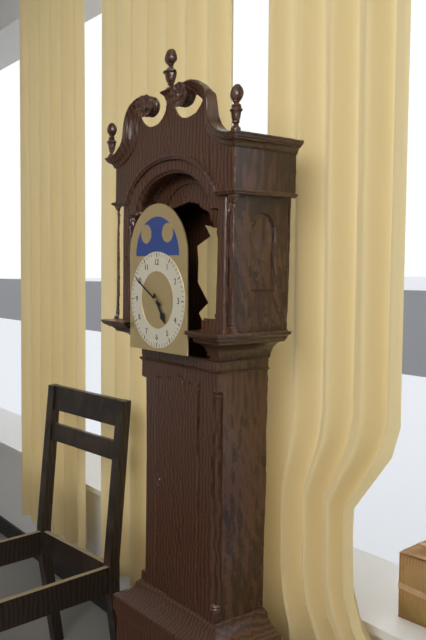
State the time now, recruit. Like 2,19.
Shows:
4,50
